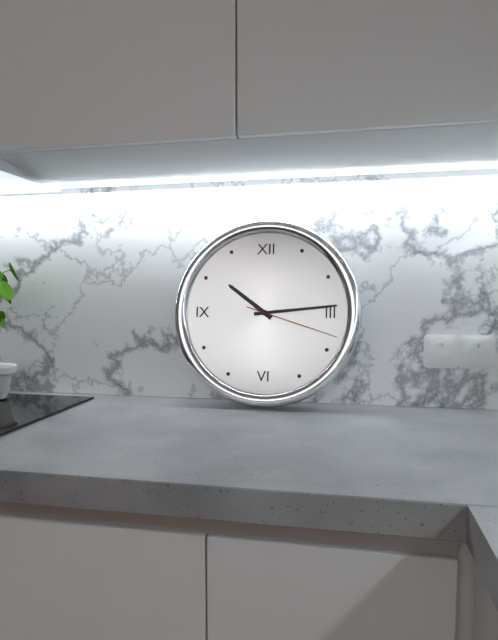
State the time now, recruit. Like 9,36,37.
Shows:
10,14,18
